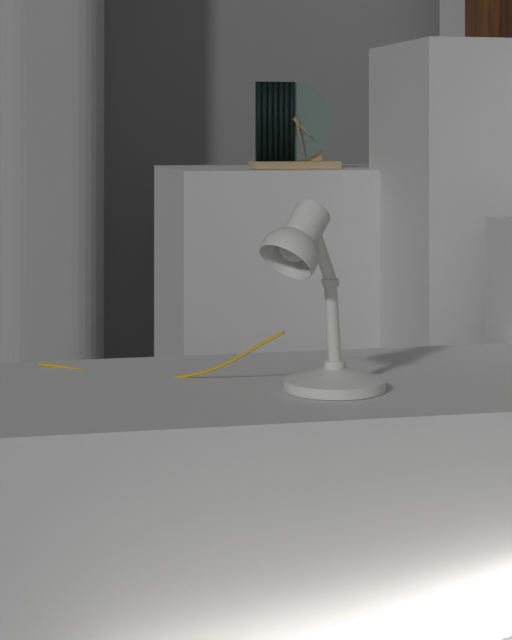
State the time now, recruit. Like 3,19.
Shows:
4,28
